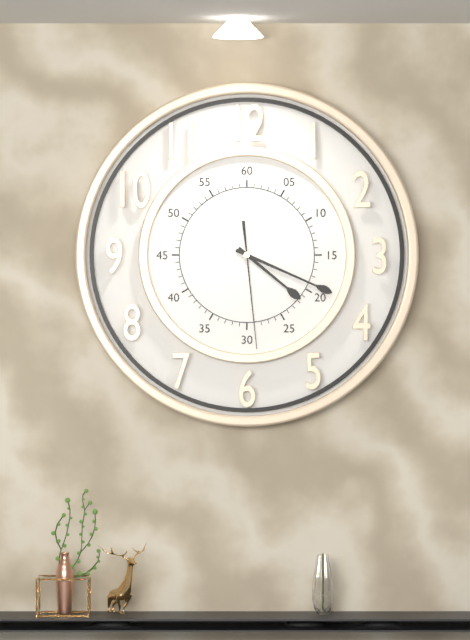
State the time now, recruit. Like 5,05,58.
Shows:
4,19,29
